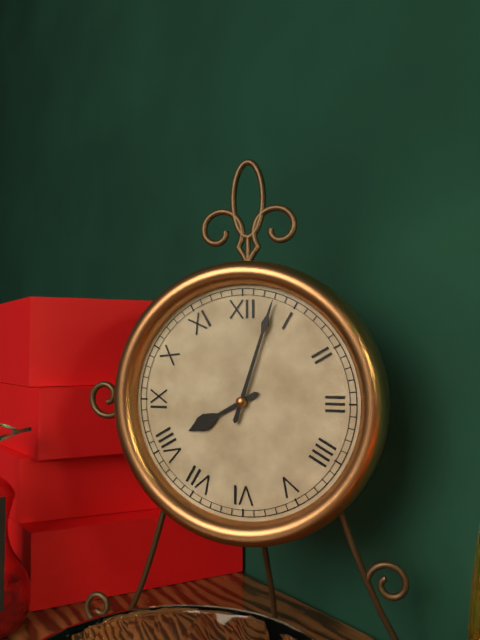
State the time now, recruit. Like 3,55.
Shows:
8,03
